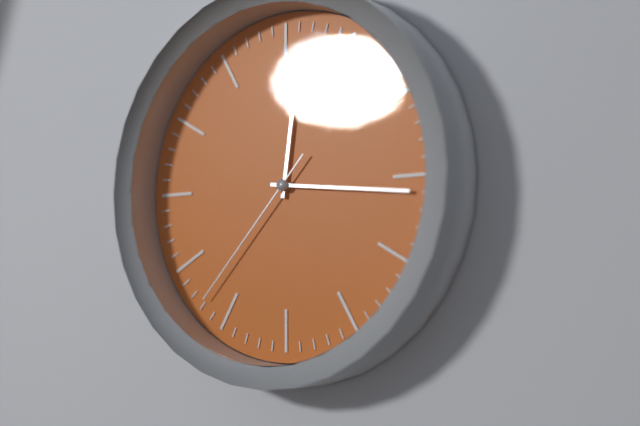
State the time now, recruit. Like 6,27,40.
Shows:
12,16,37
